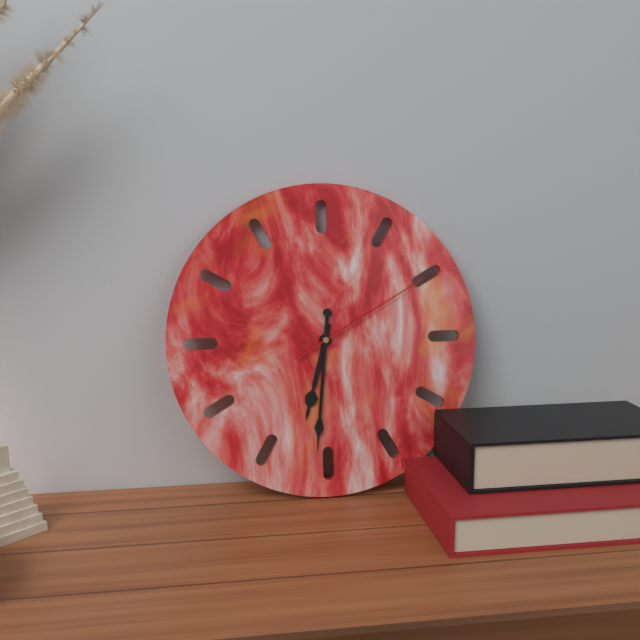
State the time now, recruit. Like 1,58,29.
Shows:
6,31,10
